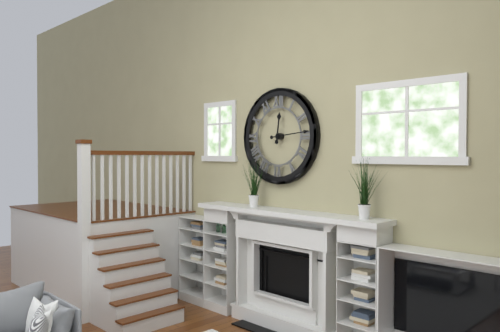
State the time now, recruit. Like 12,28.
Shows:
12,14
